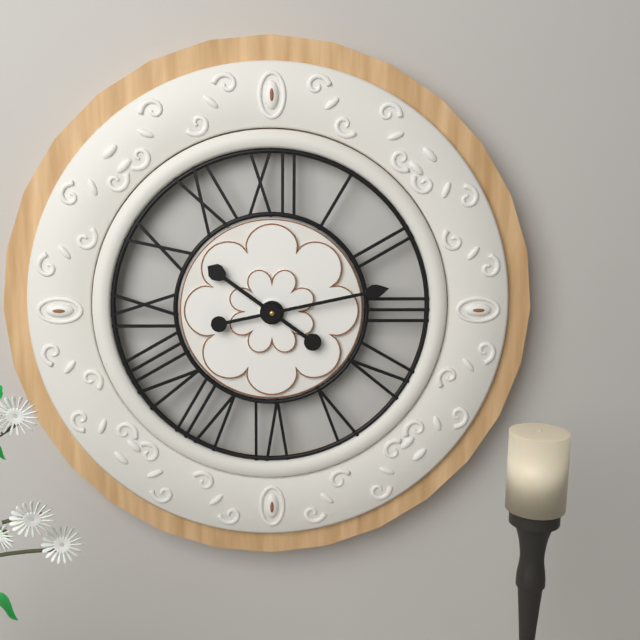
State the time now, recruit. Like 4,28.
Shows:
10,13
